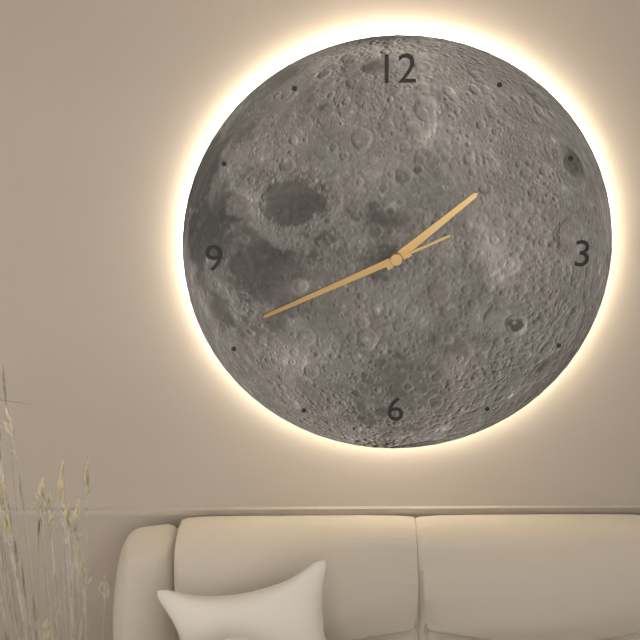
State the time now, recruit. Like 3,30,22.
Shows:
1,41,41
